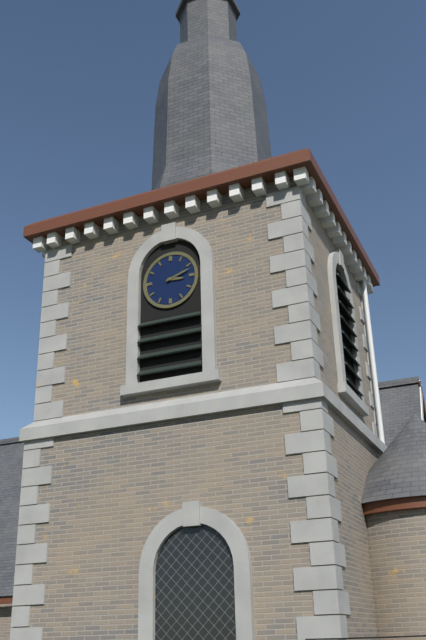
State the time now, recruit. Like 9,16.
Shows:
3,12
